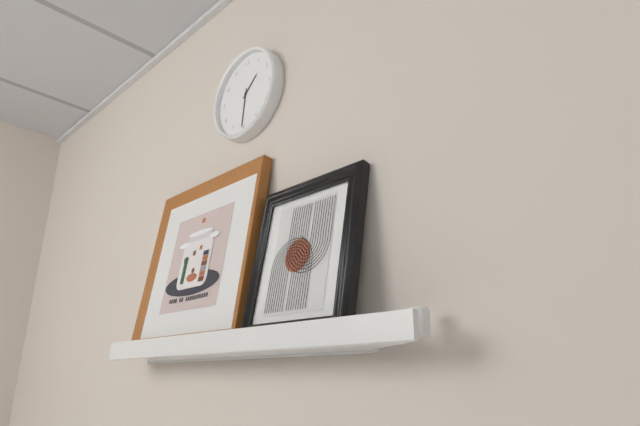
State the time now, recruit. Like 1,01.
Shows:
1,31
